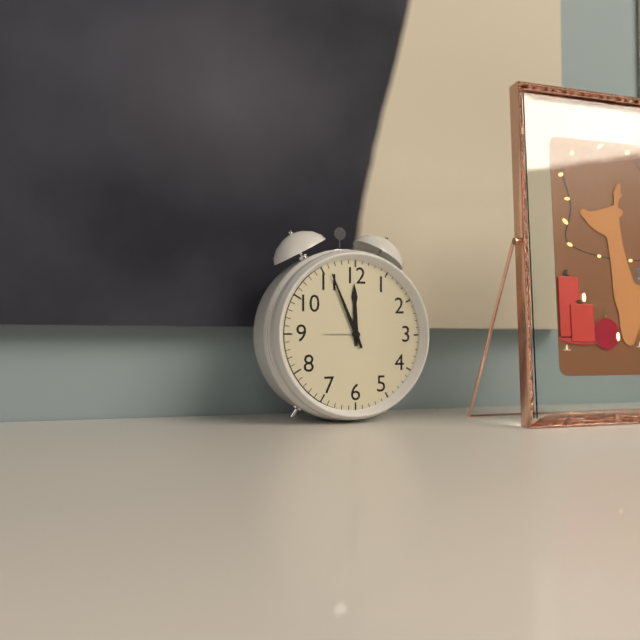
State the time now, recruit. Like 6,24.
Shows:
11,56
